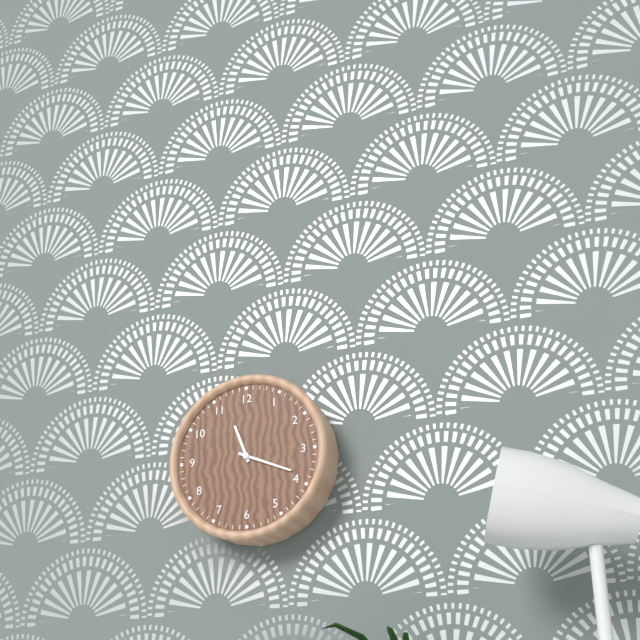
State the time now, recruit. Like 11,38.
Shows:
11,19
